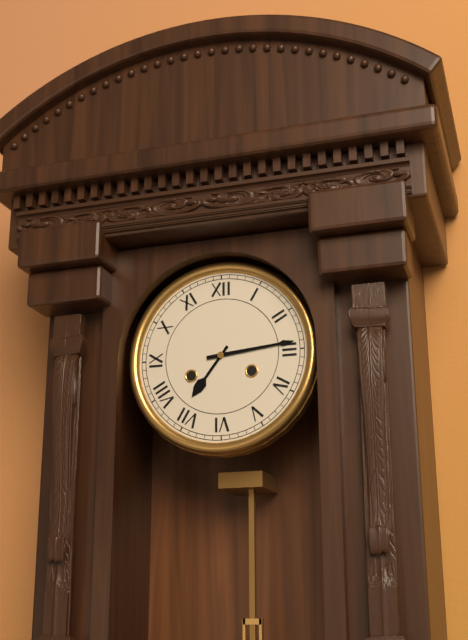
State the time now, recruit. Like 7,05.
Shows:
7,14
